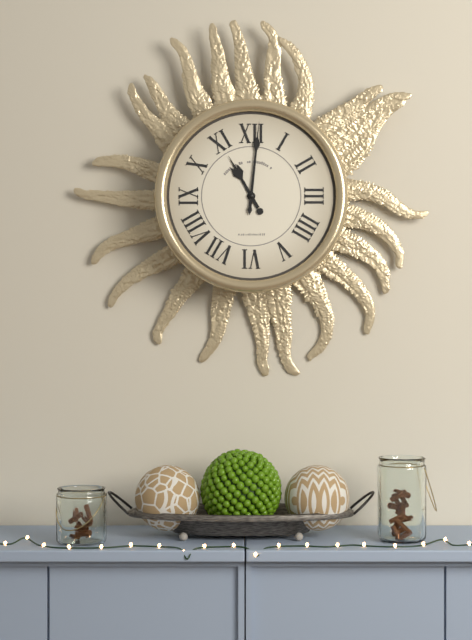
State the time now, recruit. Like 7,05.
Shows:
11,01
